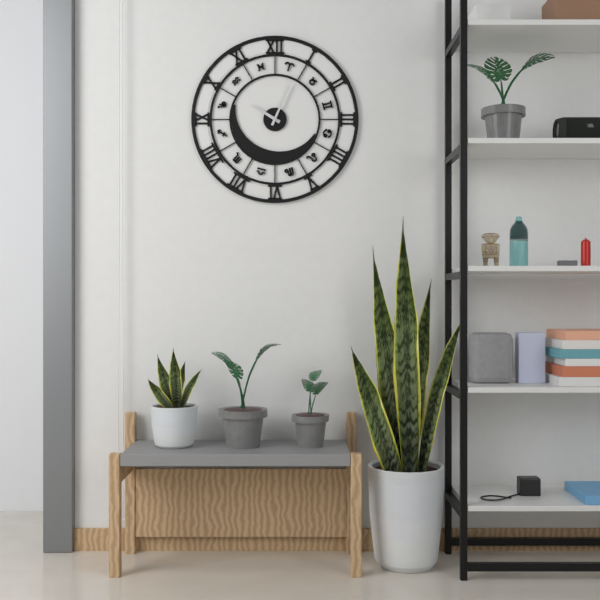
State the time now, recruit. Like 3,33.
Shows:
10,04
